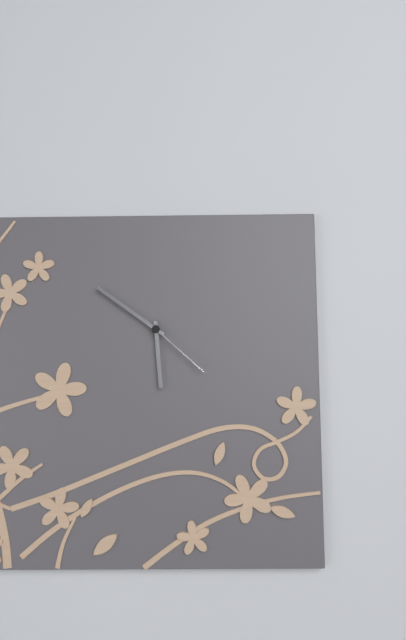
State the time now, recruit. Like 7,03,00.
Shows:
5,51,22
